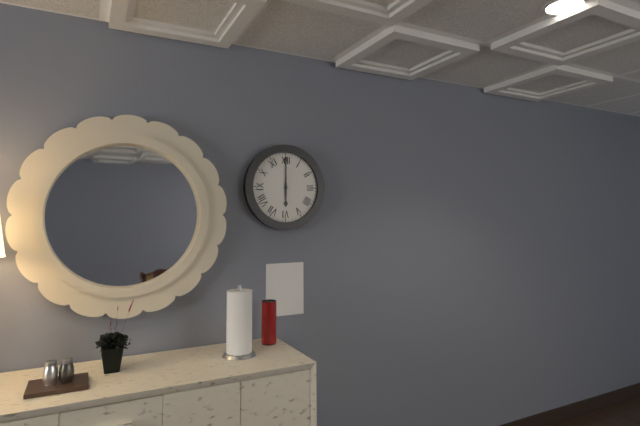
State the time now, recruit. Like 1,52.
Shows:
6,00
